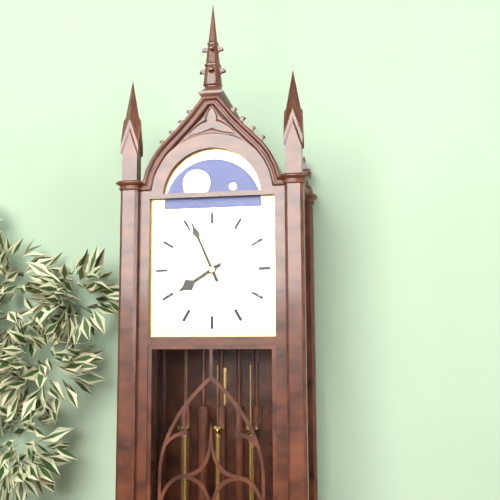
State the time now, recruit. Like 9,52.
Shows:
7,56
